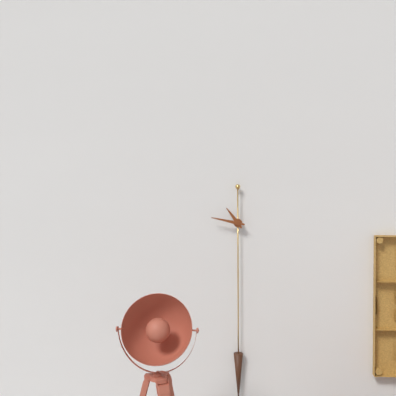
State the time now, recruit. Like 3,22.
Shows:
10,47
